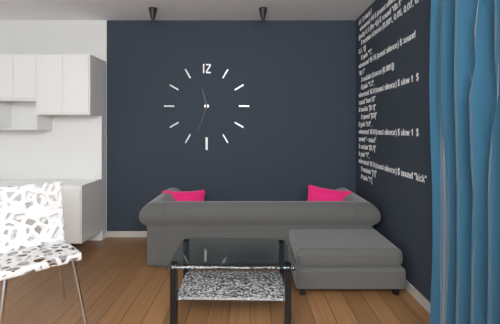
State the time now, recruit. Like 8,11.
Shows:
11,33
